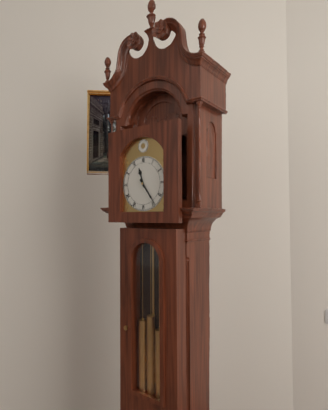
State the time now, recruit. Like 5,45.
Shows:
11,24
